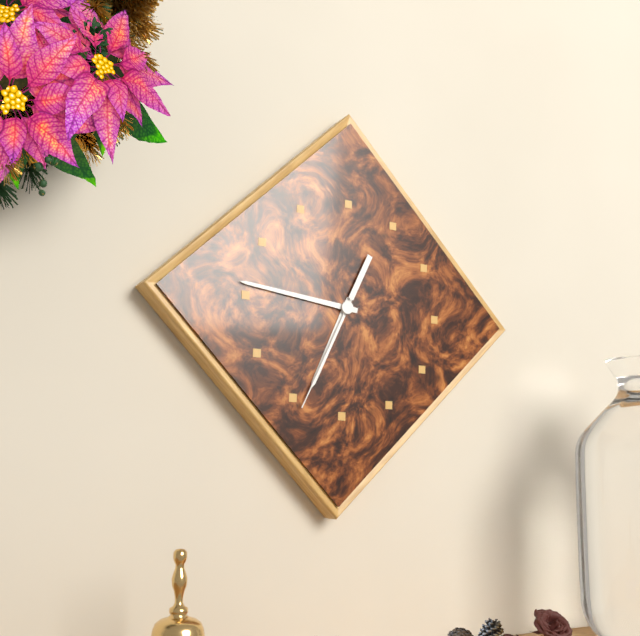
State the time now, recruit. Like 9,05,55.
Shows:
6,46,34
